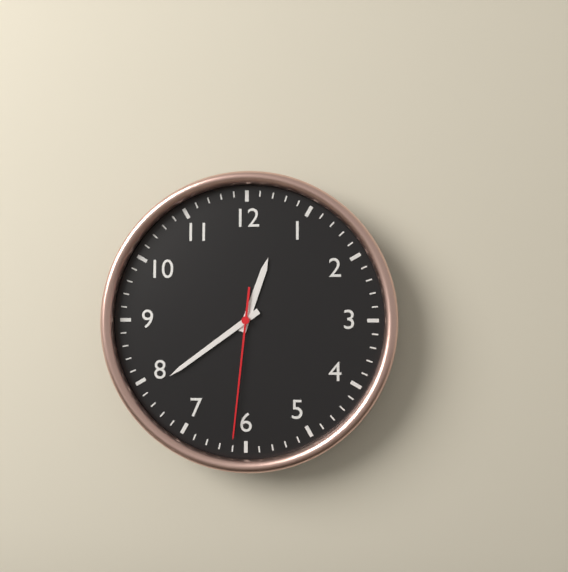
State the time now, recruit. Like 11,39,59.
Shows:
12,39,31
